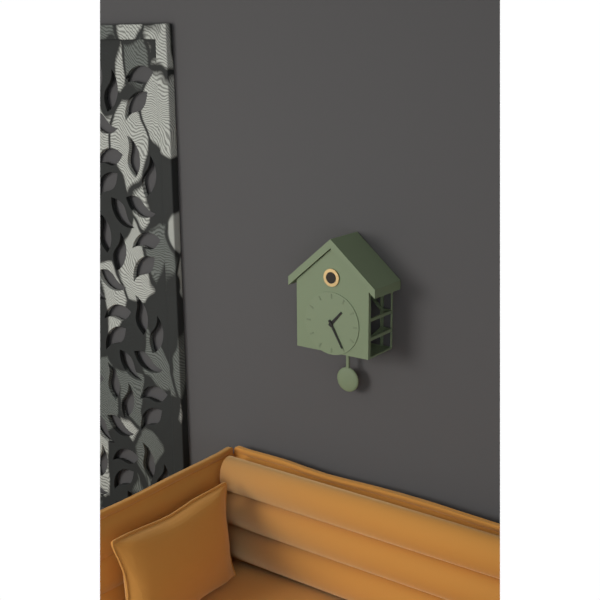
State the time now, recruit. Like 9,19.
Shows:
1,25
